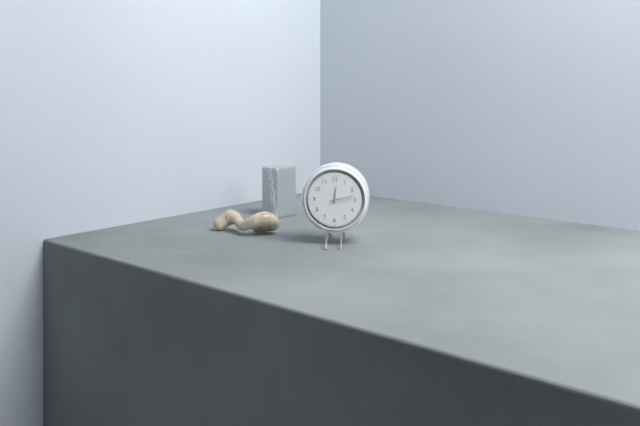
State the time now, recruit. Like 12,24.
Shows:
12,13
